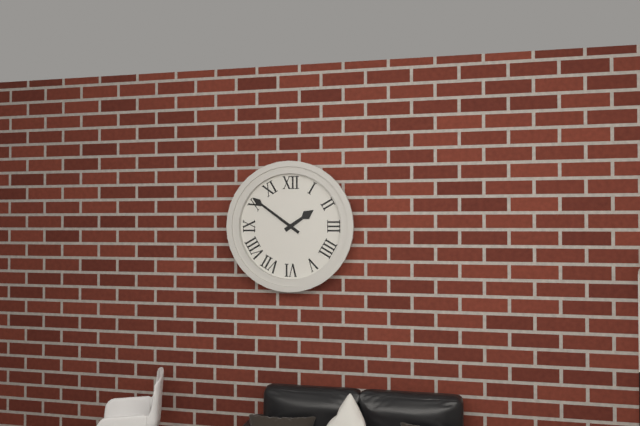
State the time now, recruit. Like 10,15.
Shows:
1,51
